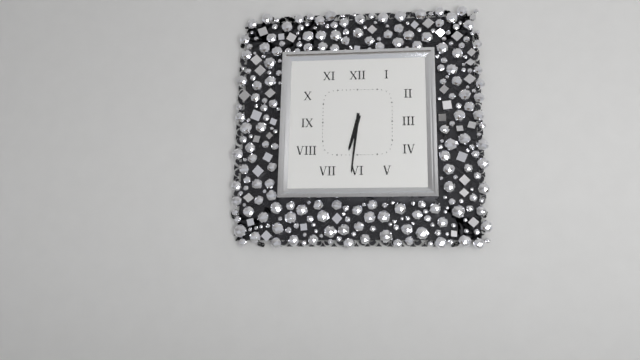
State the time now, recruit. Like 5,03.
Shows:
6,31
